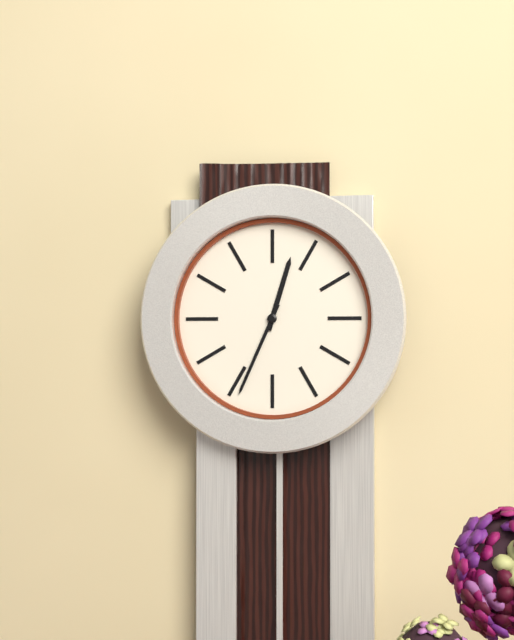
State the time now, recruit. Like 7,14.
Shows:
12,34
